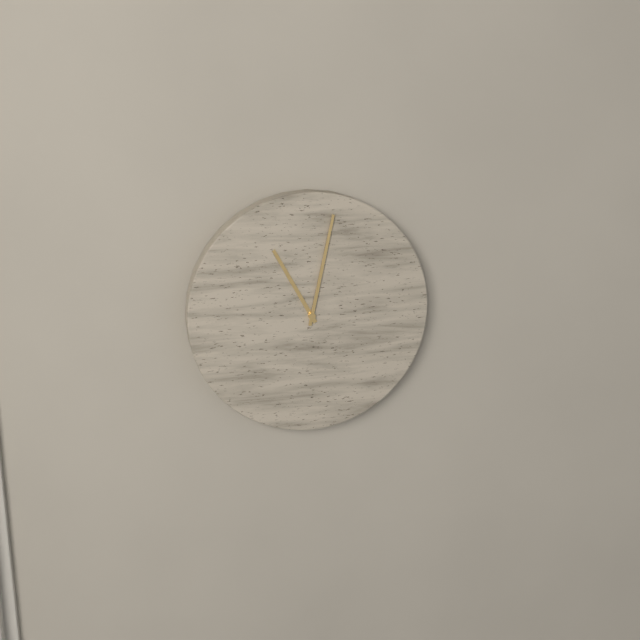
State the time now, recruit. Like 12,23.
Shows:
11,02
